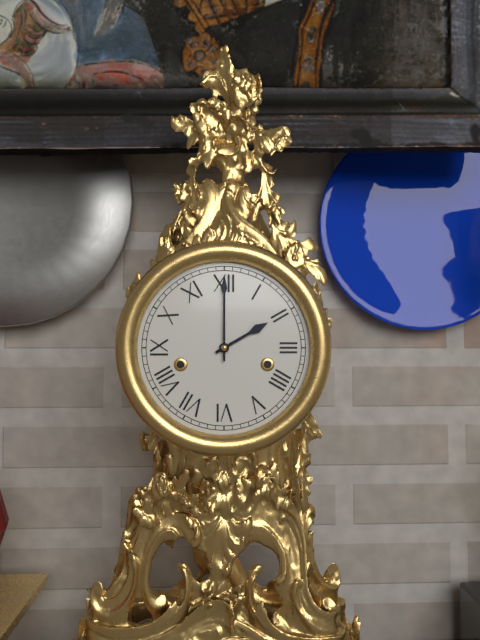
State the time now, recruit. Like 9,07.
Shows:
2,00
